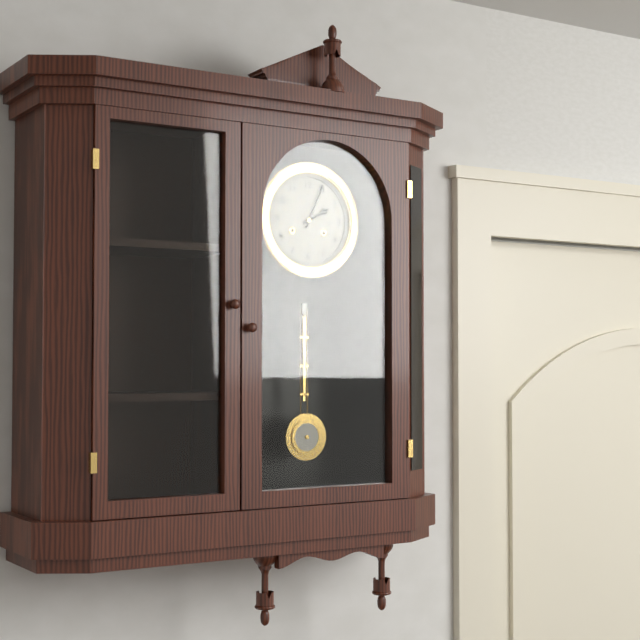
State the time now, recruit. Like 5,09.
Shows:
2,04
